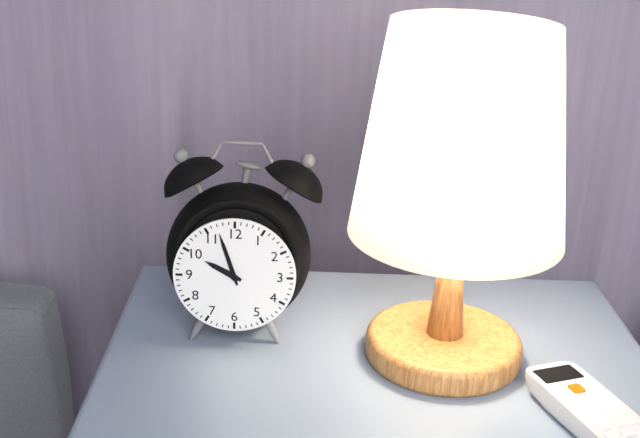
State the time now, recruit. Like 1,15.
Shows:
9,57
